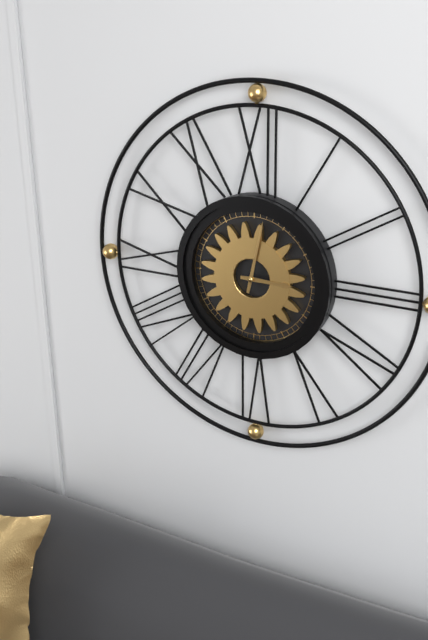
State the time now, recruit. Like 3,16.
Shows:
3,02
